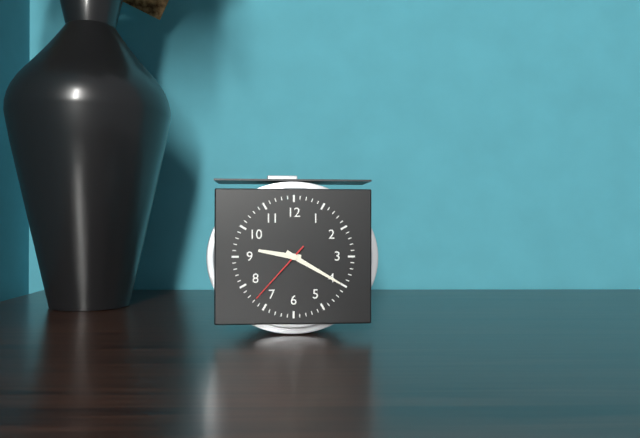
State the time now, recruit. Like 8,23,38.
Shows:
9,20,37
